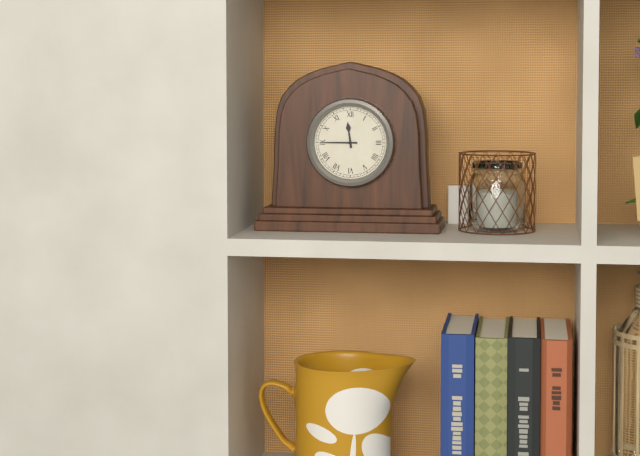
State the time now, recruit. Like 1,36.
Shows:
11,45
